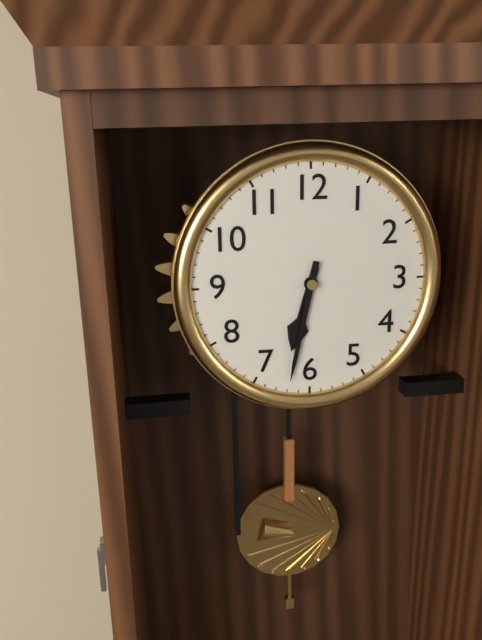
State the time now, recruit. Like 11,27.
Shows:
6,32
